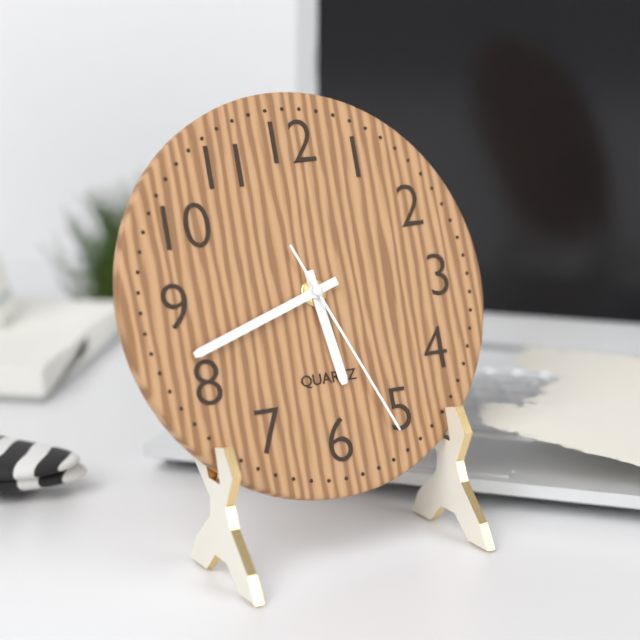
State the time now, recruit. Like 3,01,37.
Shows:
5,42,26
